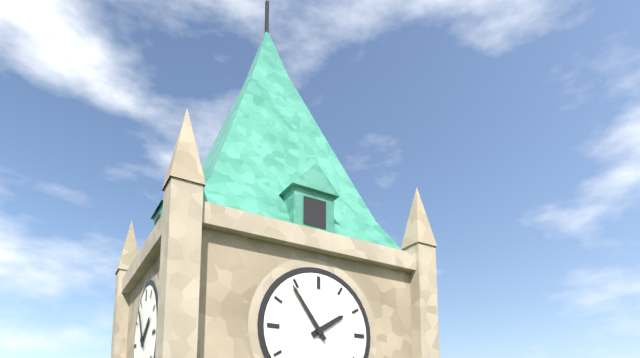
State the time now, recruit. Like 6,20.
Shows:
1,54
